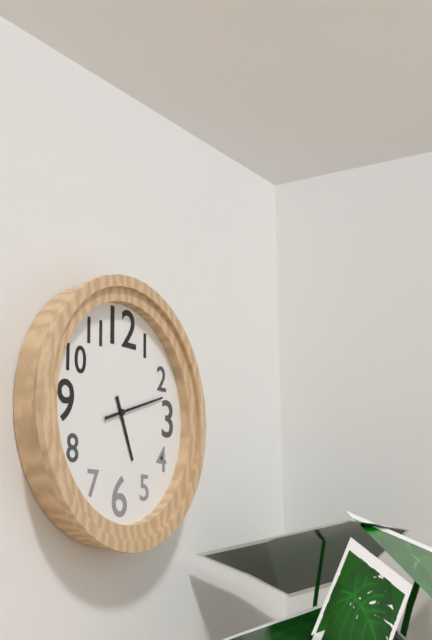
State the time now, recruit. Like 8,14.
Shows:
5,12
